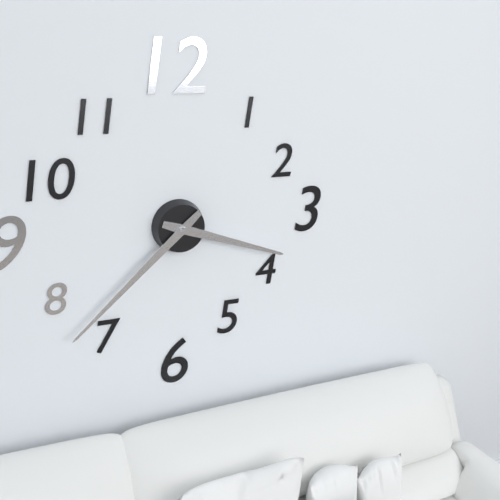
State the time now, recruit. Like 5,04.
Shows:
3,38
